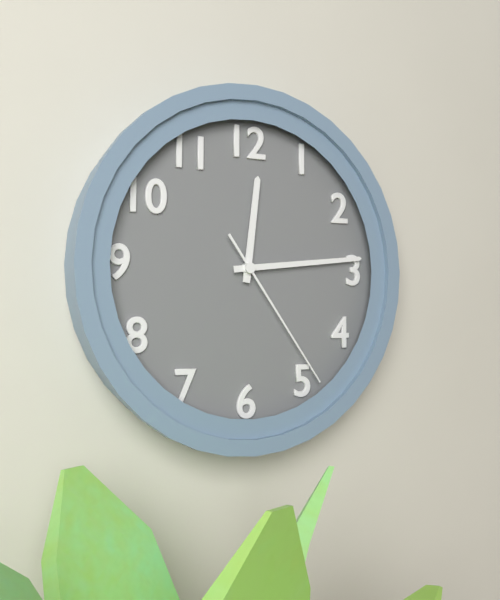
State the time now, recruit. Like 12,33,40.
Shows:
12,14,24
